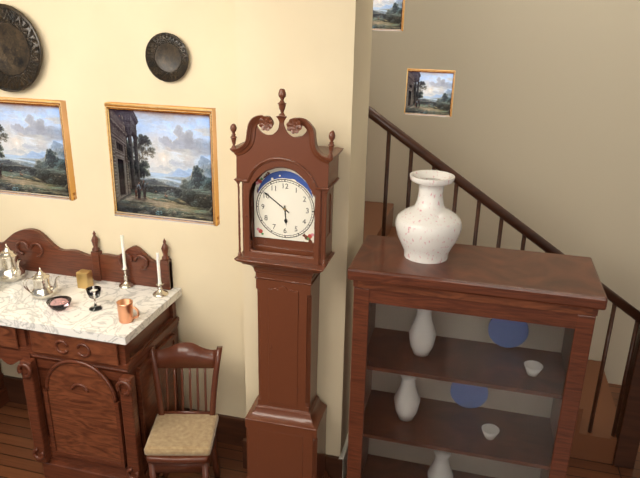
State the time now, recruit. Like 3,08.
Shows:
5,51
